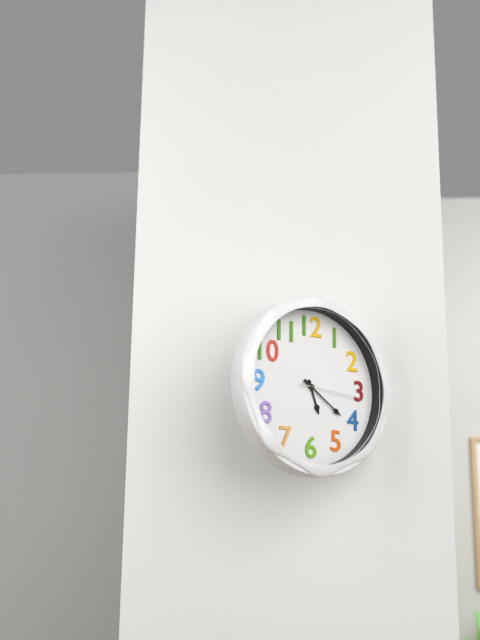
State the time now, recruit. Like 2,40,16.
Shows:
5,21,16
